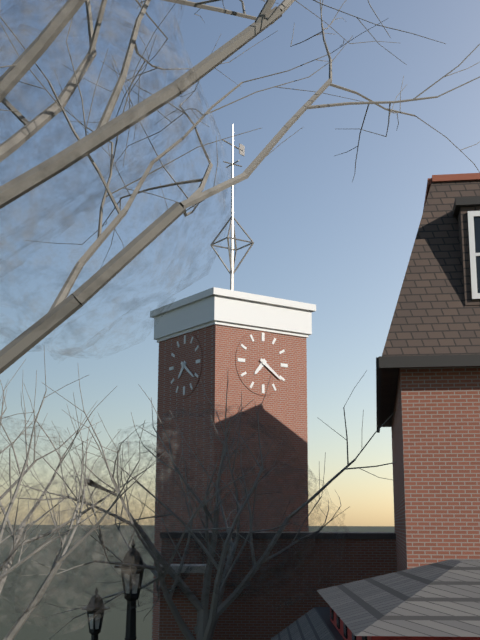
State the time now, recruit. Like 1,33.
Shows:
7,21
